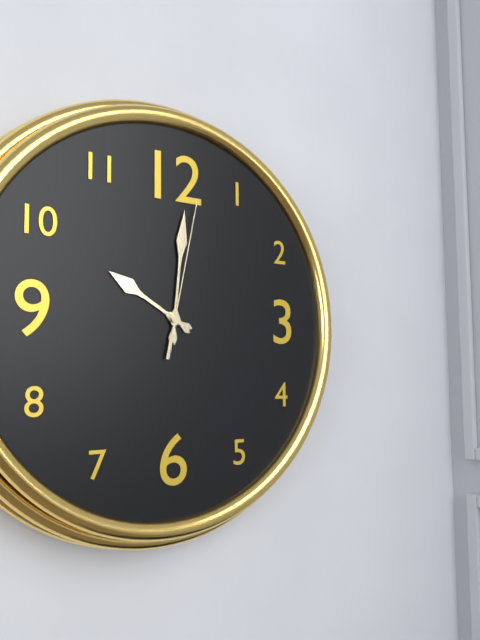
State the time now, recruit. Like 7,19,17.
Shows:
10,01,02
